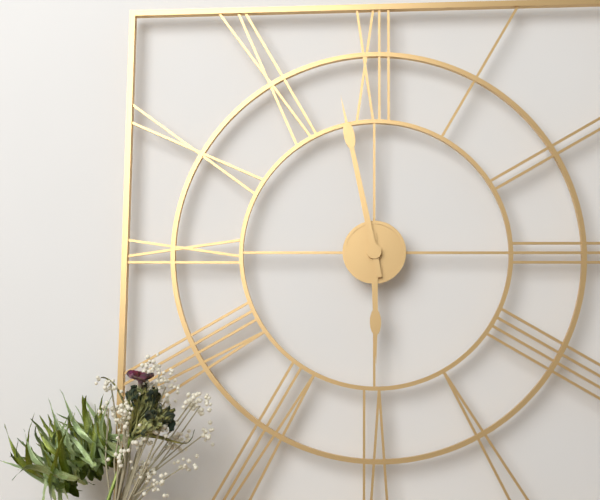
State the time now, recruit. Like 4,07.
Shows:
5,58
